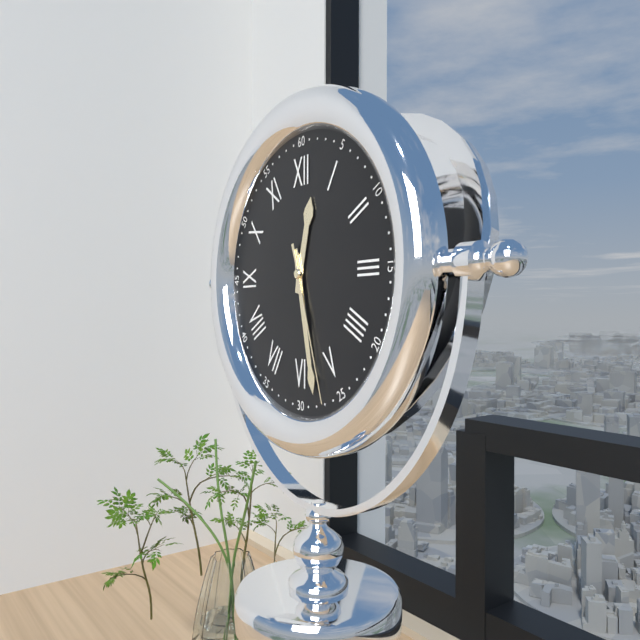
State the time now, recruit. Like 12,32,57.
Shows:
12,28,27
